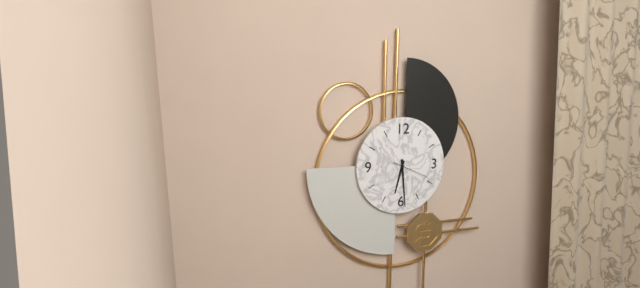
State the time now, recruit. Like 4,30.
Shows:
6,29
